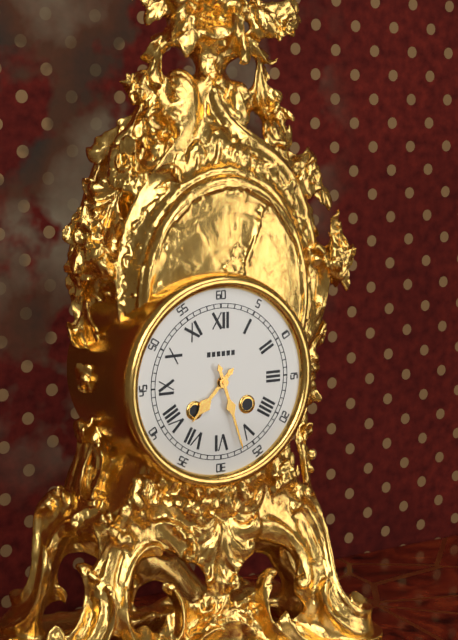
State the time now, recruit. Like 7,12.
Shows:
7,27
